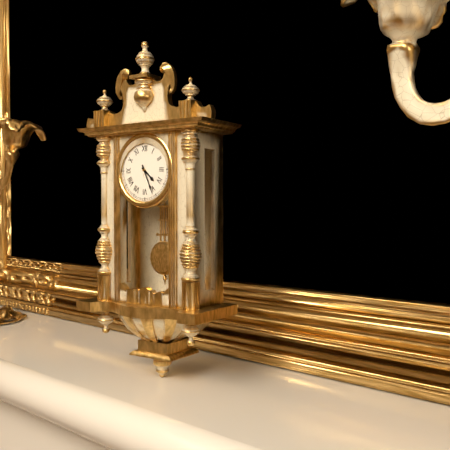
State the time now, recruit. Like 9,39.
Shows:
4,26
